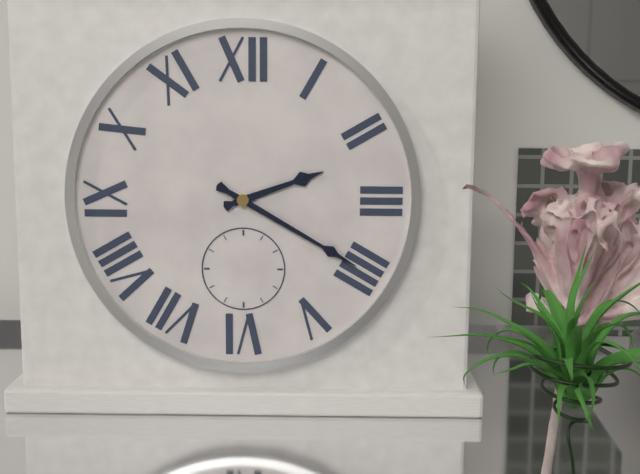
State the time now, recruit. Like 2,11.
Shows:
2,20
